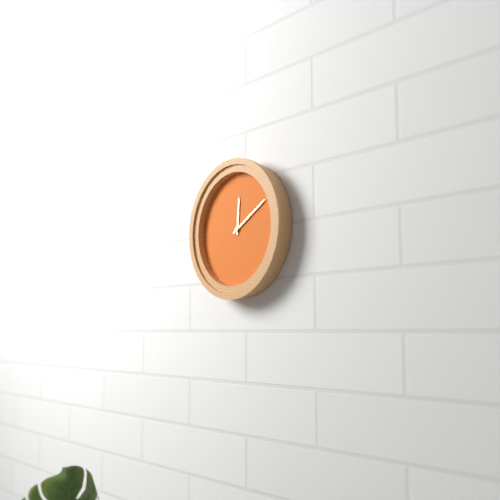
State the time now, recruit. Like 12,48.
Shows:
12,10
